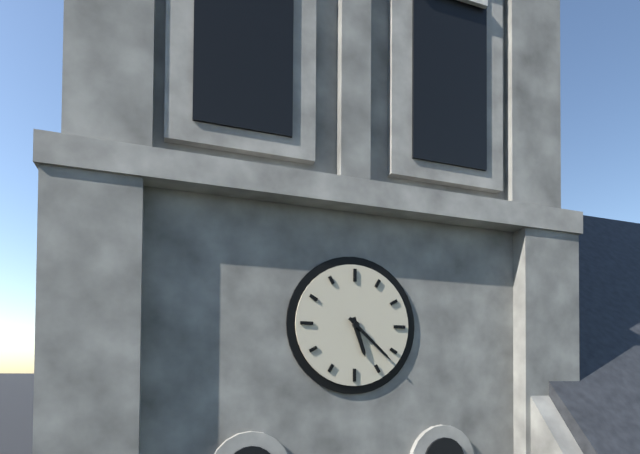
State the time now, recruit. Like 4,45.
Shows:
5,22
